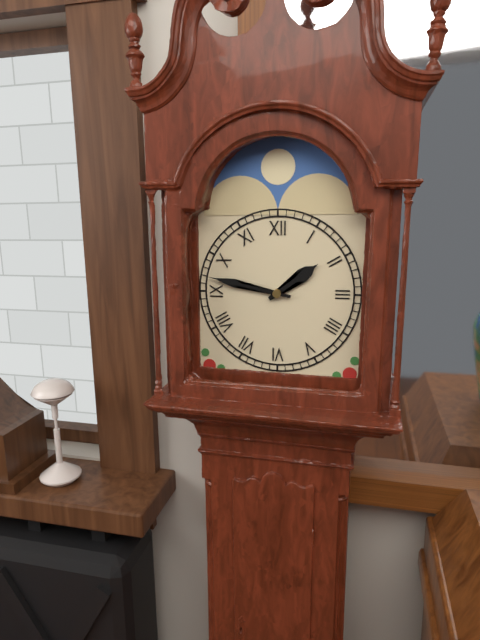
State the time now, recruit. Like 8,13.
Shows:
1,47
